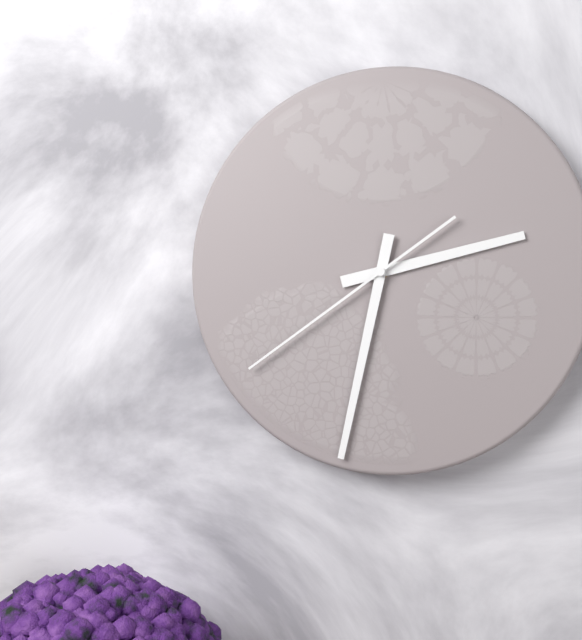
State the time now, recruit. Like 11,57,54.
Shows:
2,32,39
